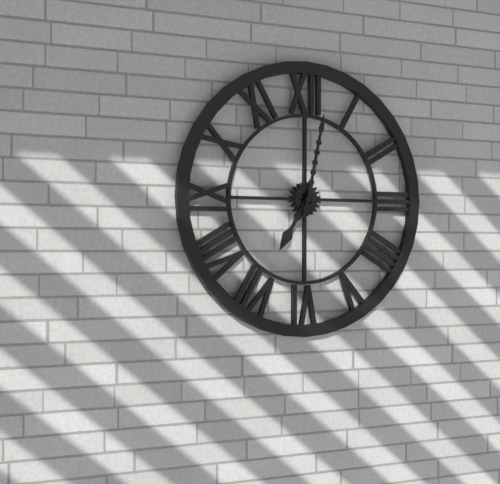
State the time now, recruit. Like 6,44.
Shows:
7,02
